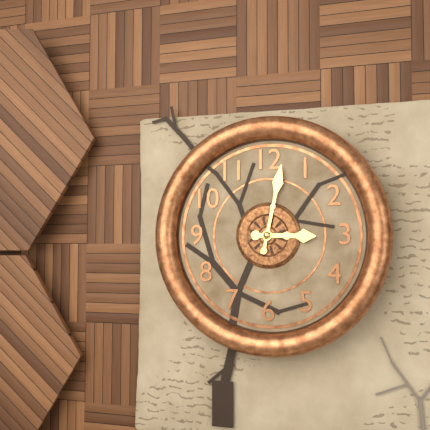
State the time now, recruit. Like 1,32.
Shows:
3,02
